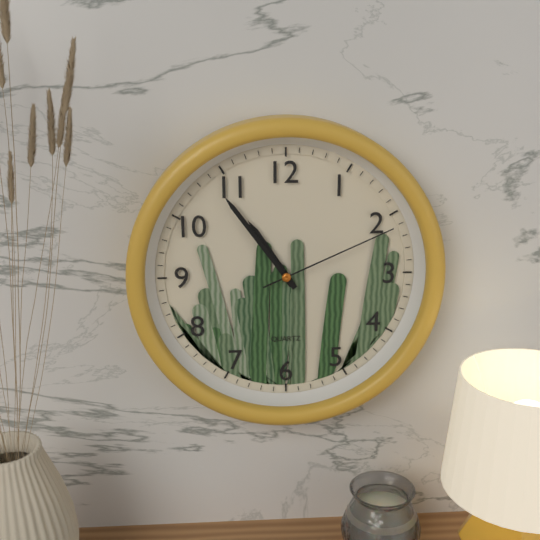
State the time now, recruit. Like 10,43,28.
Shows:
10,54,11
